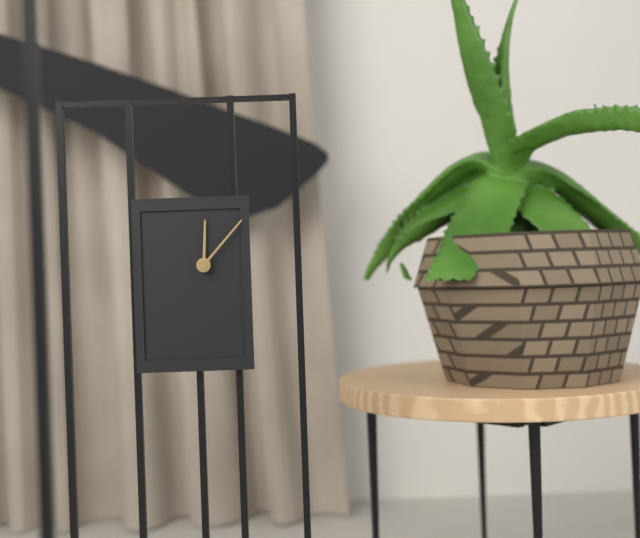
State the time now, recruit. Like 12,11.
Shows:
12,07
